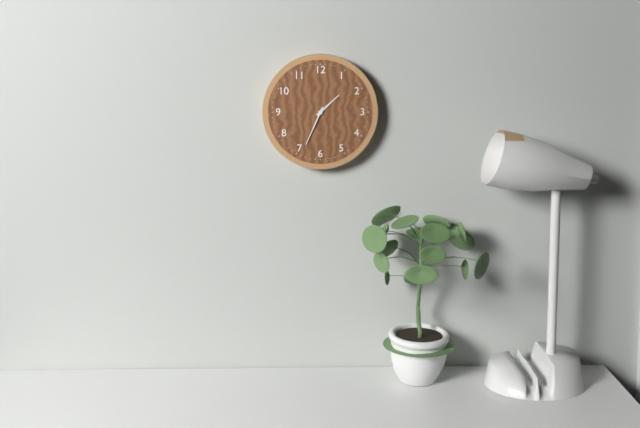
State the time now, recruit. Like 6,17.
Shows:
1,34
